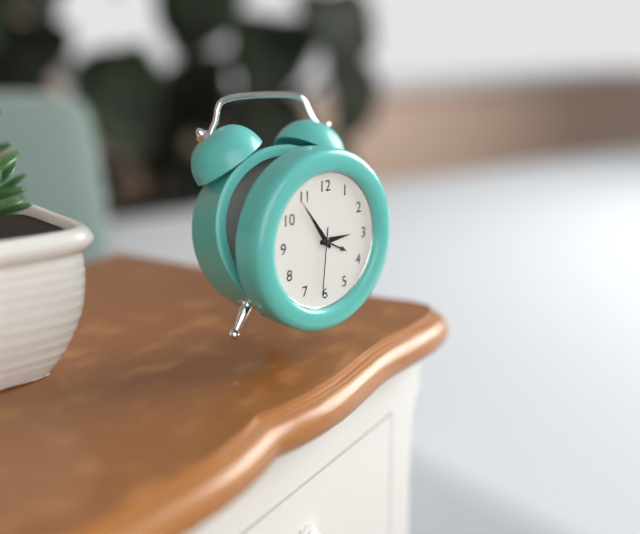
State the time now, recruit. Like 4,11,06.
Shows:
2,54,31
